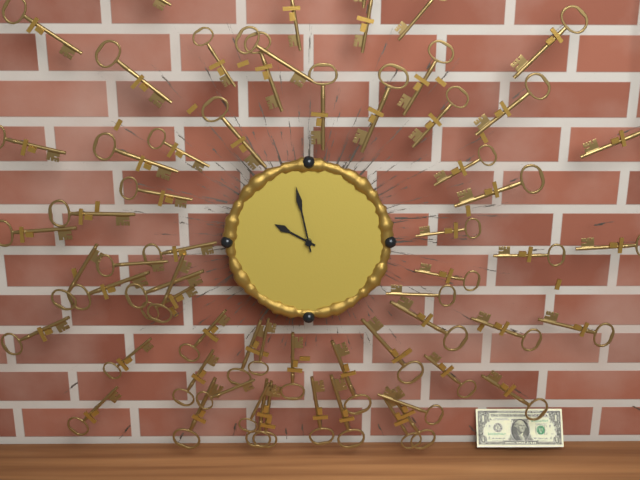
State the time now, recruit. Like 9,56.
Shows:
9,58
